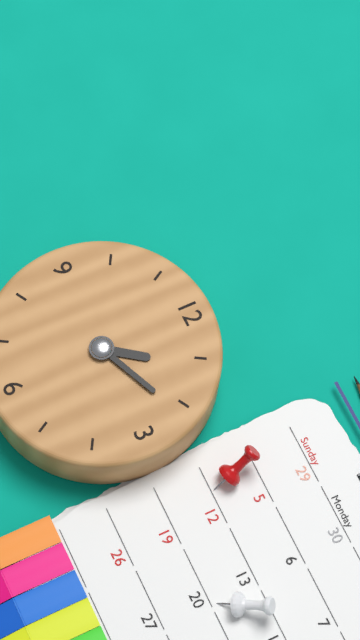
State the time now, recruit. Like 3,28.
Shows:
1,11
